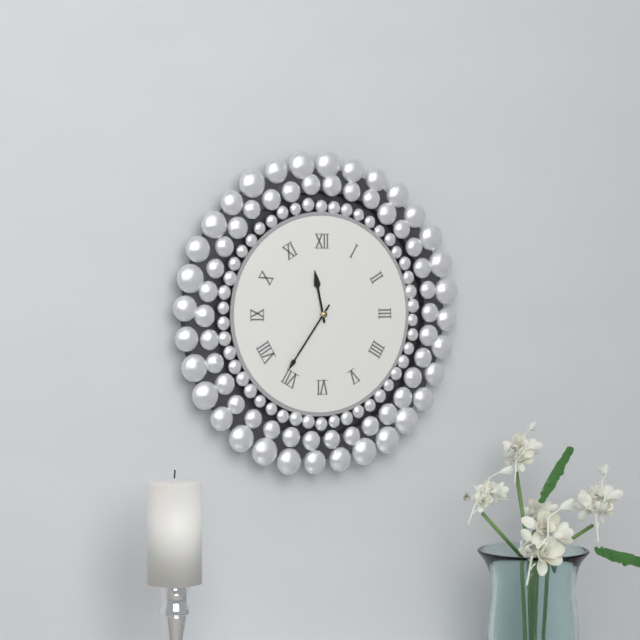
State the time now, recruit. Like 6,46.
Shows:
11,36
